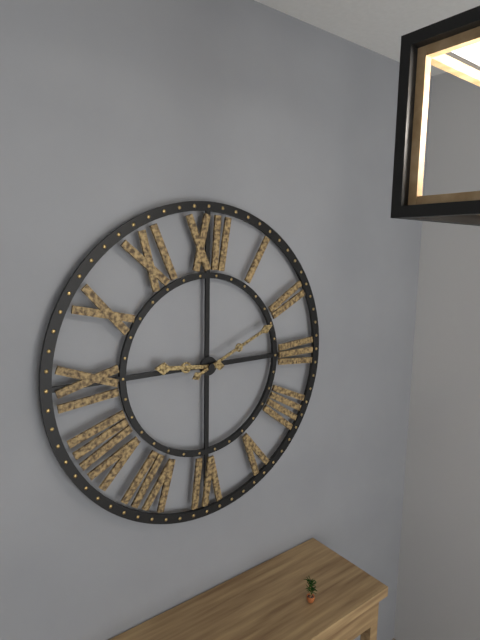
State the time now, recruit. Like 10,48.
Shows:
9,11
